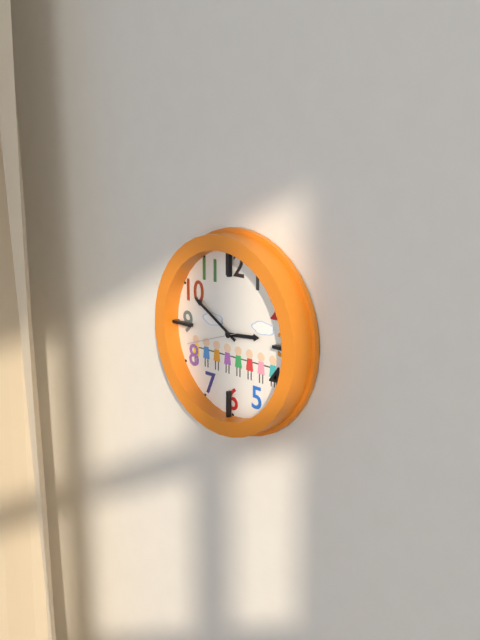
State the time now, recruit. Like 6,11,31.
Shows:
2,50,42
